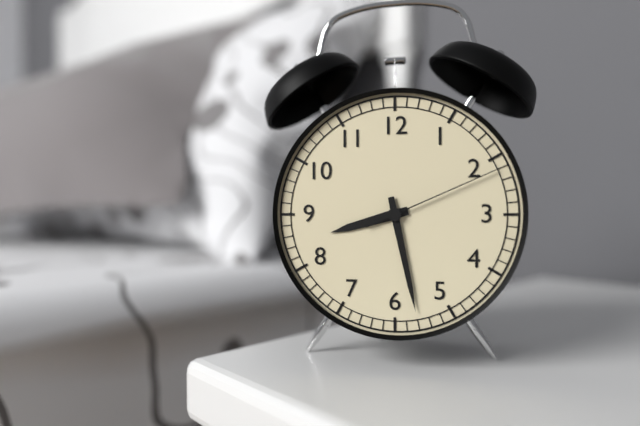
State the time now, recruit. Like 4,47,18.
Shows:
8,28,11
